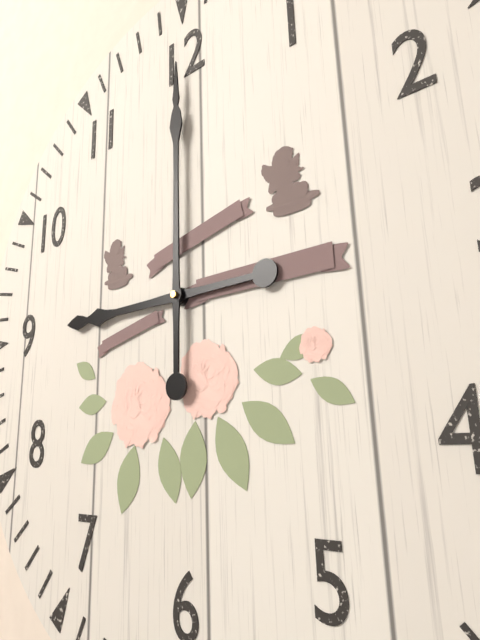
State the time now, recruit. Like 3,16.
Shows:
9,00
